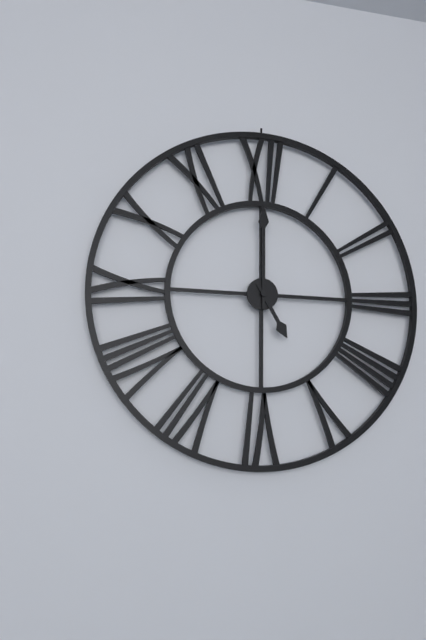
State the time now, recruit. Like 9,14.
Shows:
5,00
